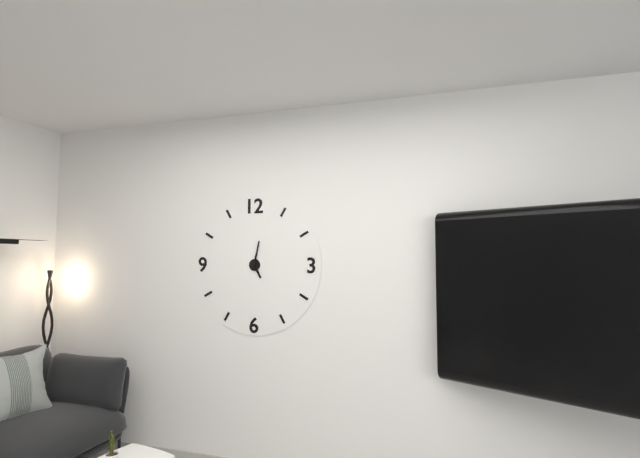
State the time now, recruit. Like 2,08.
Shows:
5,02
